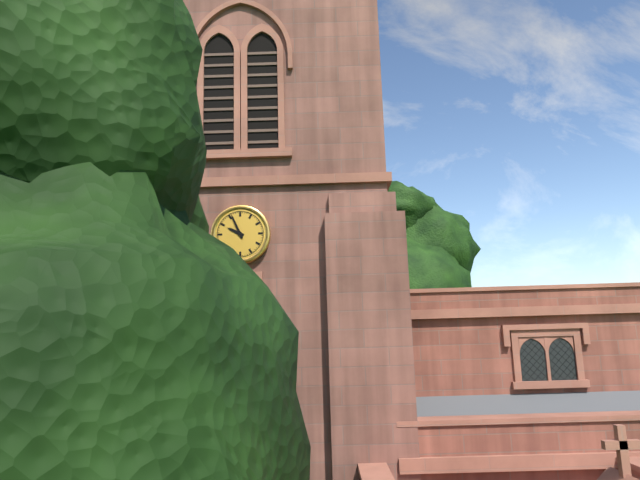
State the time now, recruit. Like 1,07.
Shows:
9,56
